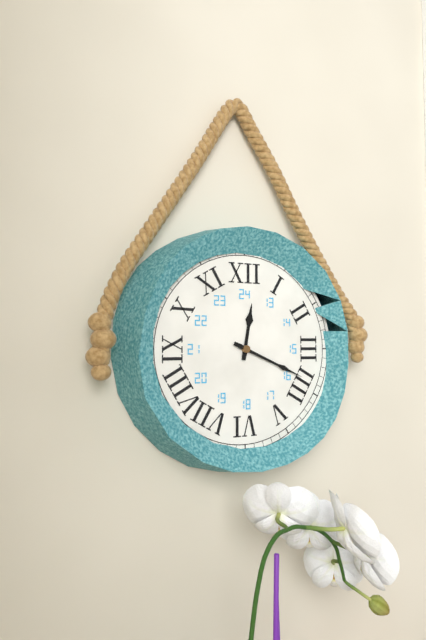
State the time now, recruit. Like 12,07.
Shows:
12,19
